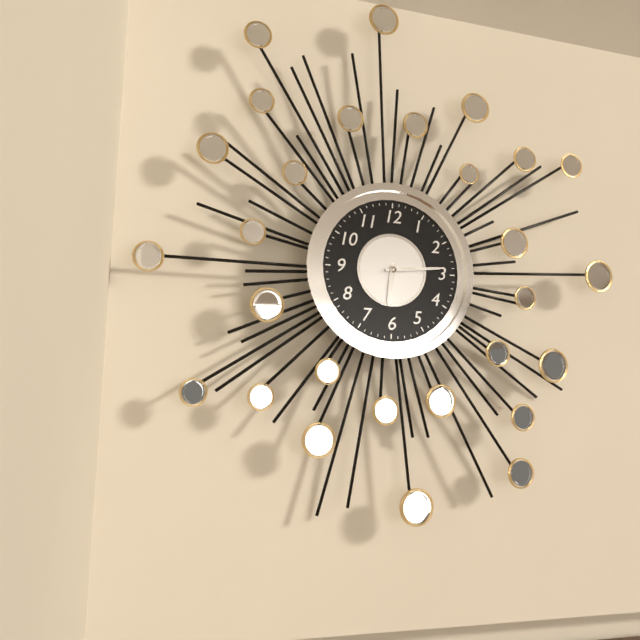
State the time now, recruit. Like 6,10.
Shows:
6,14
